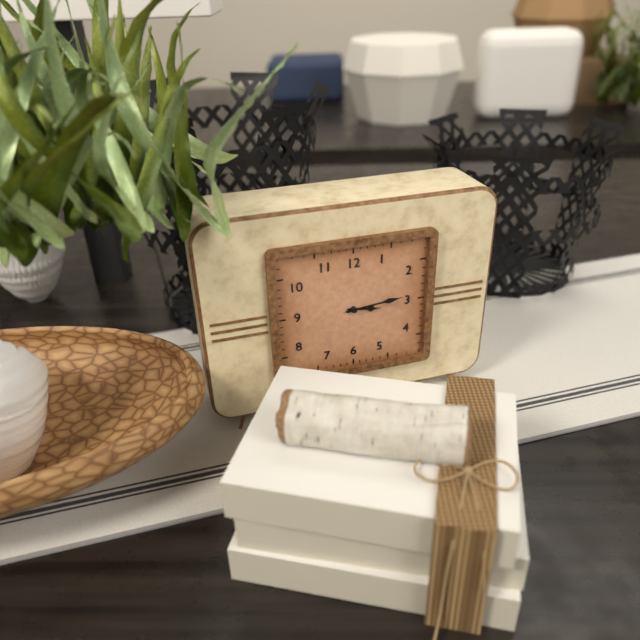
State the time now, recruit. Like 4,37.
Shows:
3,14
